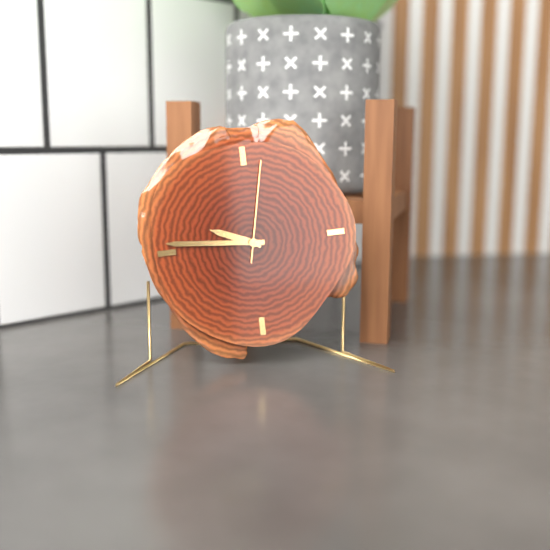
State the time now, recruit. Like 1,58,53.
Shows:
9,46,02
